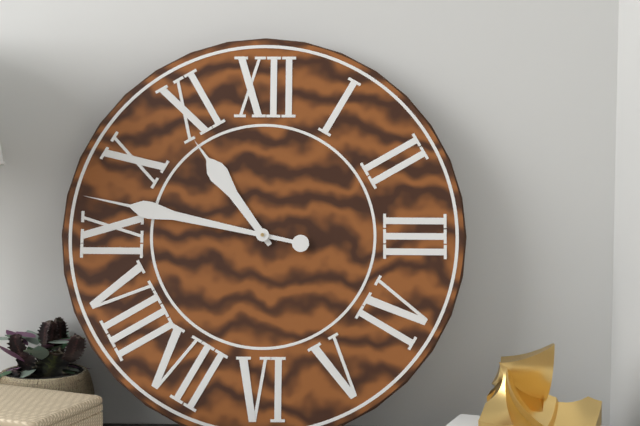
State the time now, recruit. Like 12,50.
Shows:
10,47
